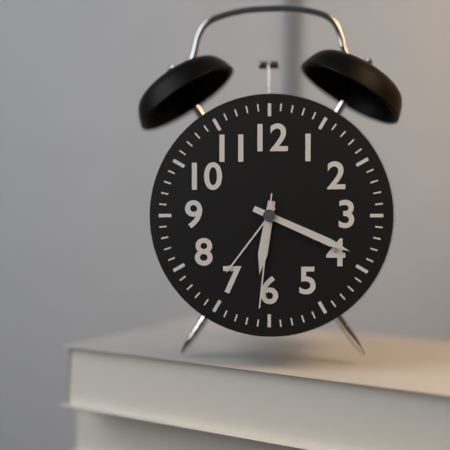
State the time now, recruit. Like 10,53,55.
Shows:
6,19,31
